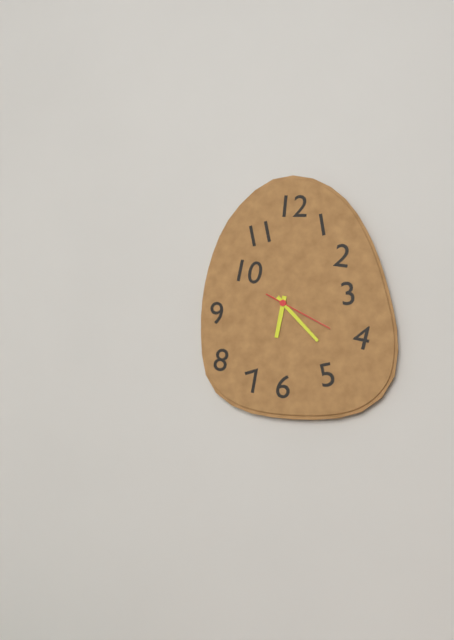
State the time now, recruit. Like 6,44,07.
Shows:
6,23,20
